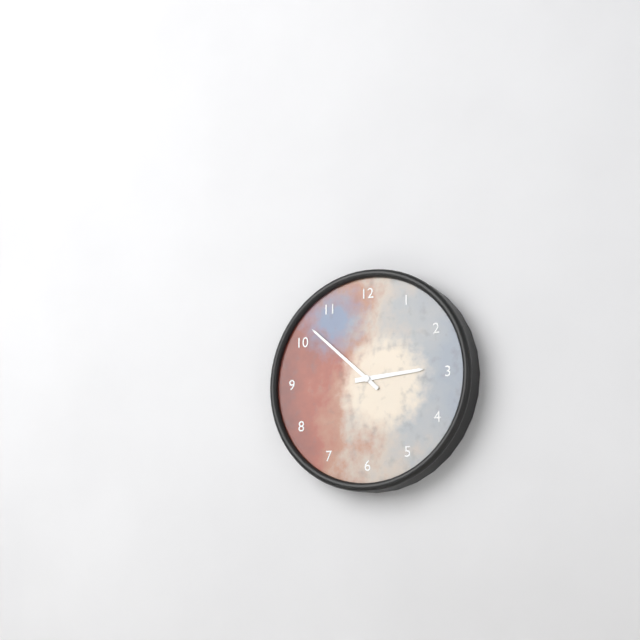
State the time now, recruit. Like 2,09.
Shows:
2,52
